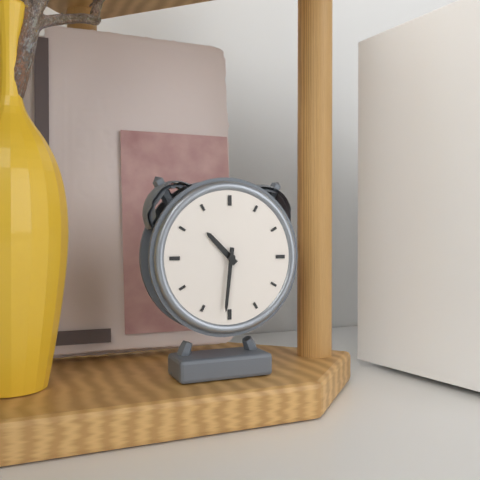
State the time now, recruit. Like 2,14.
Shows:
10,31
